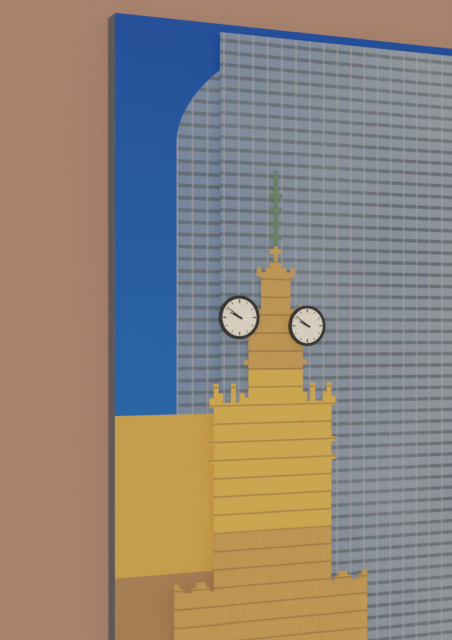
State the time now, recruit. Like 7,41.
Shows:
9,51
